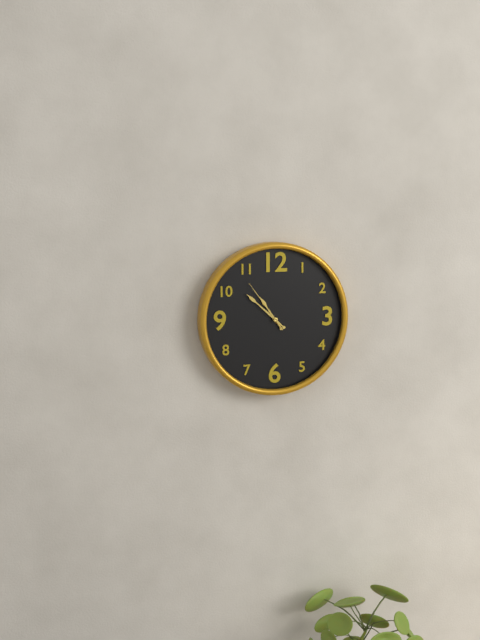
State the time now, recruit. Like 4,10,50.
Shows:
10,52,54
